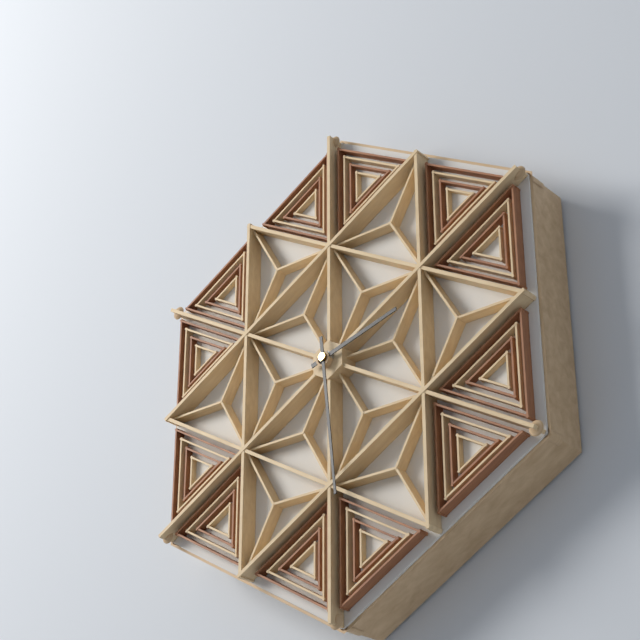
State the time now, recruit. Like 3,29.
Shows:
2,29
